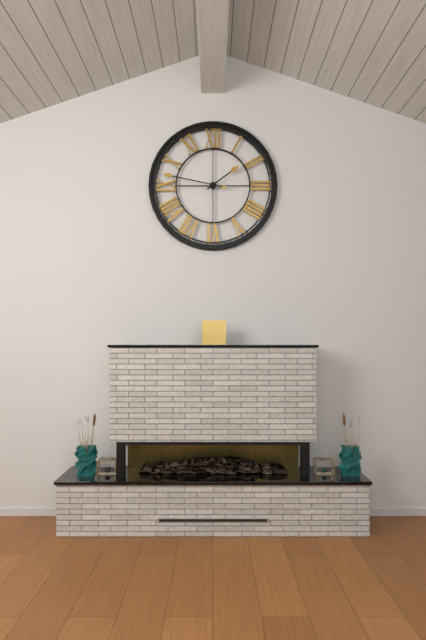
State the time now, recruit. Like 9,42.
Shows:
1,47
